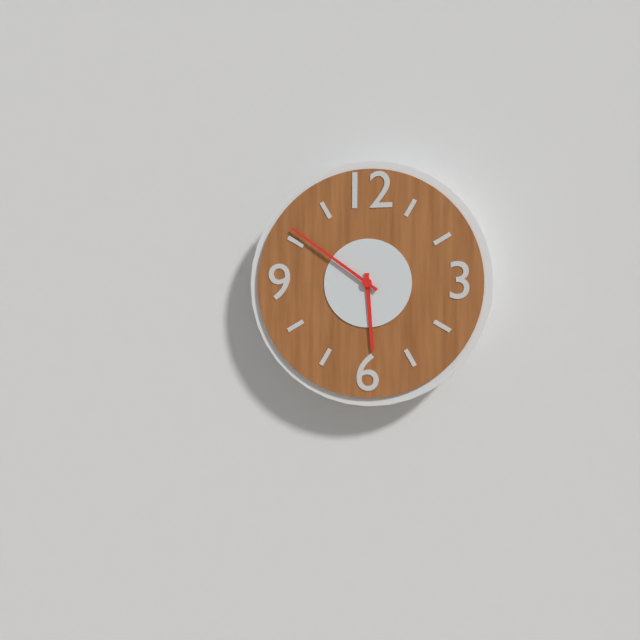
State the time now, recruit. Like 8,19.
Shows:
5,51
